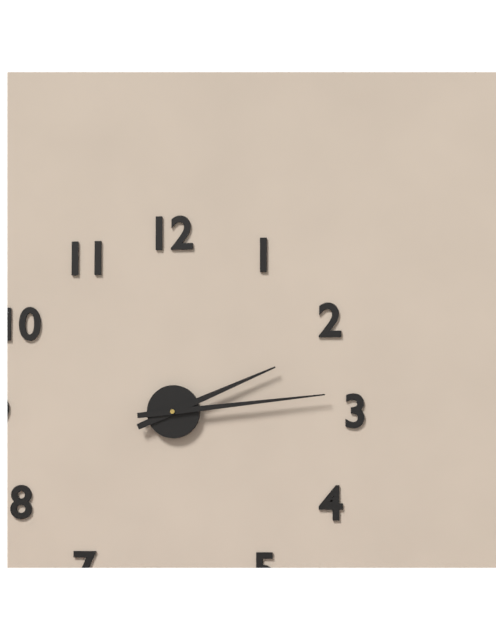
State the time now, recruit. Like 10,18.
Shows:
2,14
